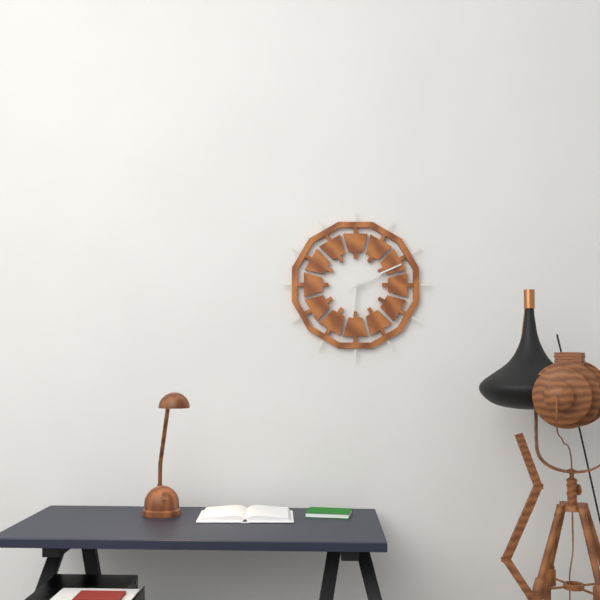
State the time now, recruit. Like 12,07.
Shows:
6,11
